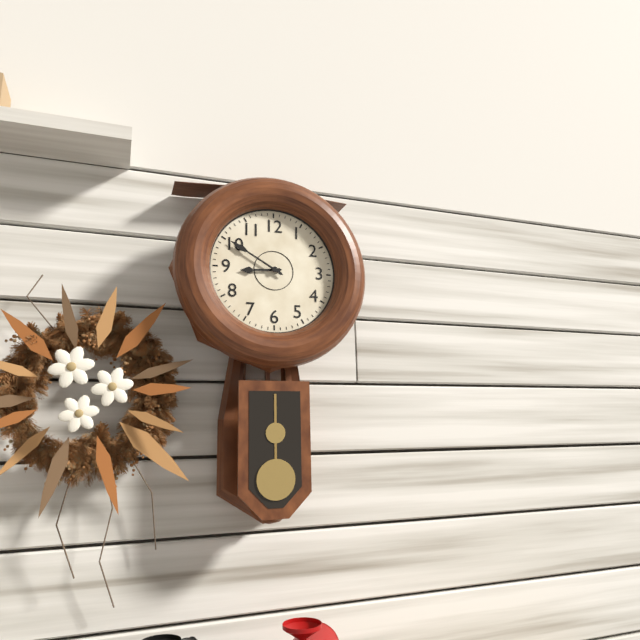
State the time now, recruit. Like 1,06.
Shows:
8,50
